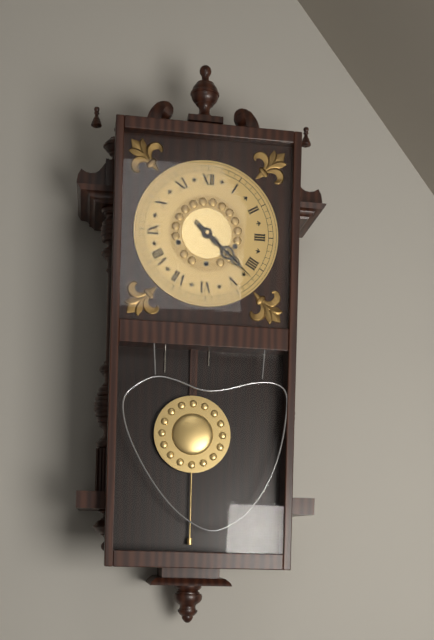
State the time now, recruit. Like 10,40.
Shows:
4,22
